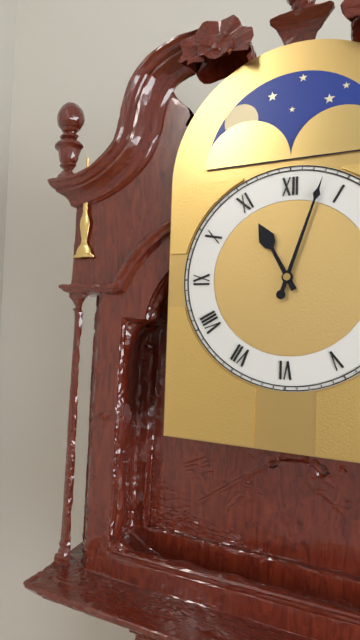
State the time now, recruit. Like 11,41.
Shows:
11,03
